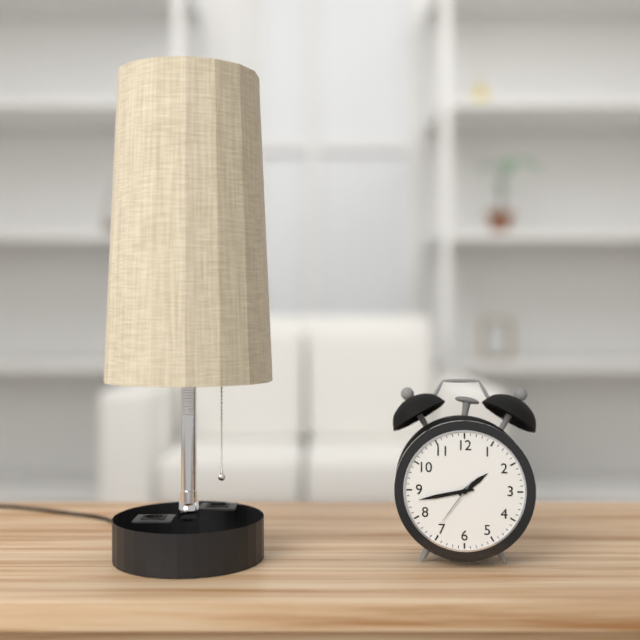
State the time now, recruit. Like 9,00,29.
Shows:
1,43,36
